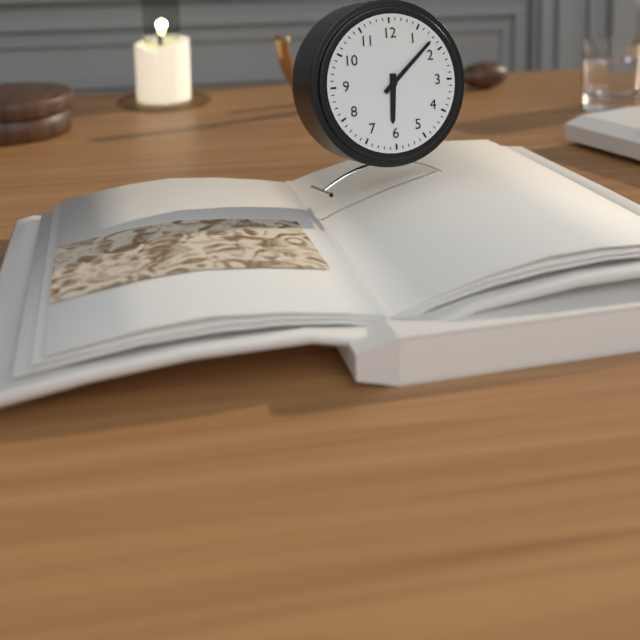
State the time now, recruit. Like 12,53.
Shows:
6,08
